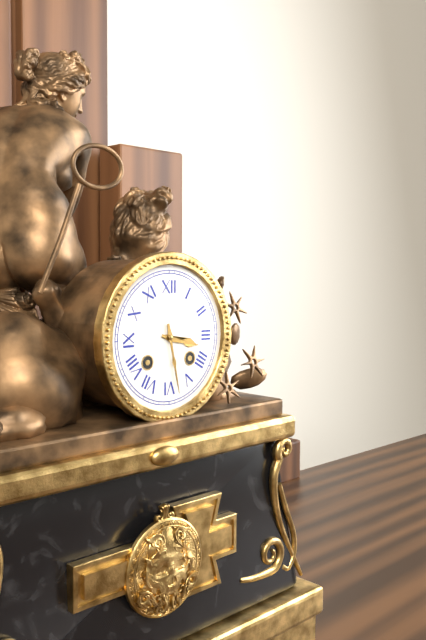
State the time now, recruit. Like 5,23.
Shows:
3,28
